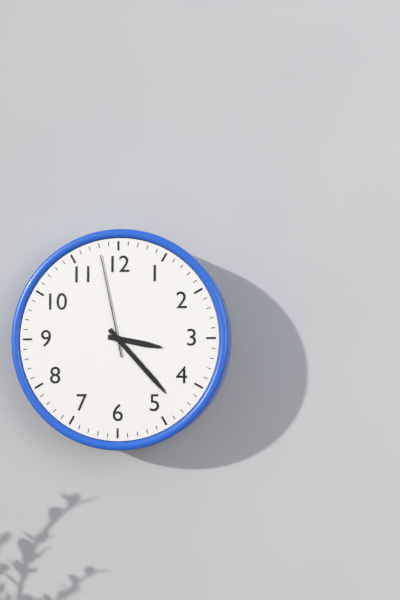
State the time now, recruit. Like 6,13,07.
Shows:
3,23,58
